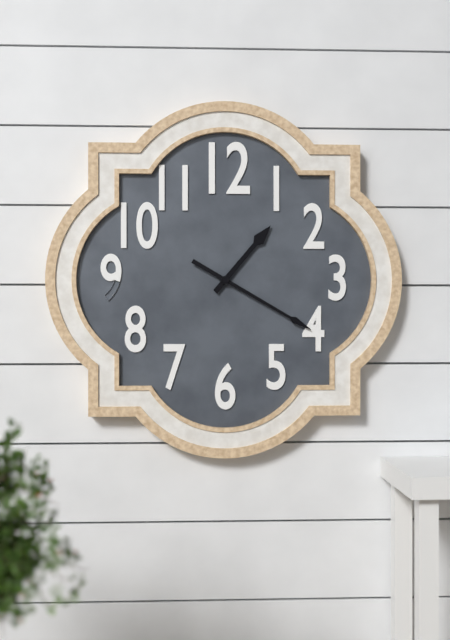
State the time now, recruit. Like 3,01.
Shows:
1,20
